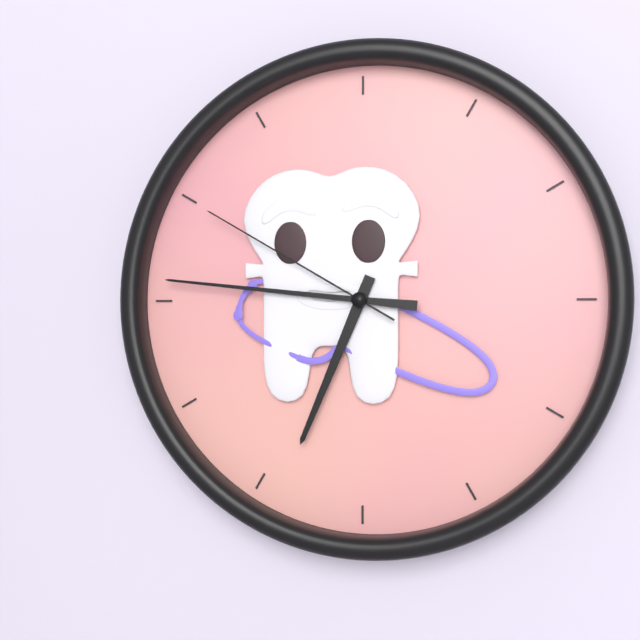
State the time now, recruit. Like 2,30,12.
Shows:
6,46,50
